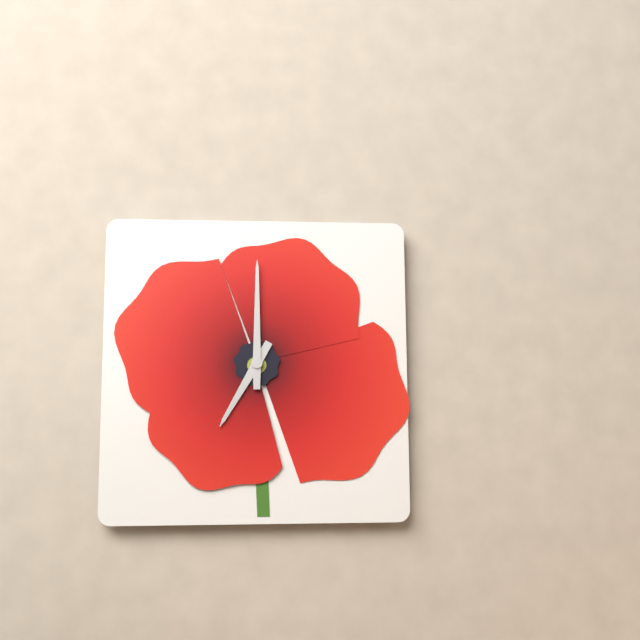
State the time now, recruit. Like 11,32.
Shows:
7,00
